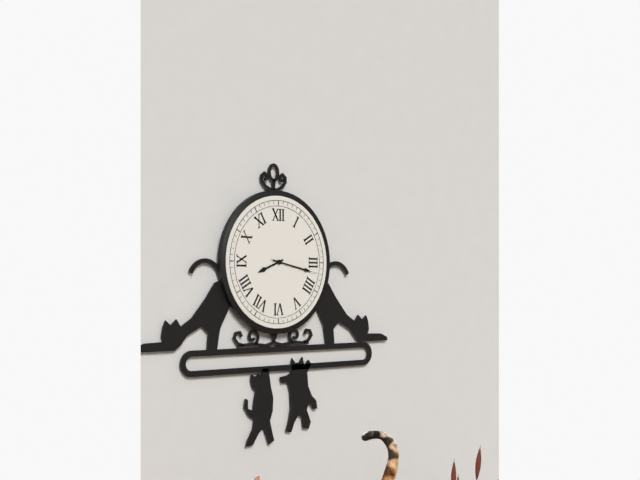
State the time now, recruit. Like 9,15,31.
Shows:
8,17,17
